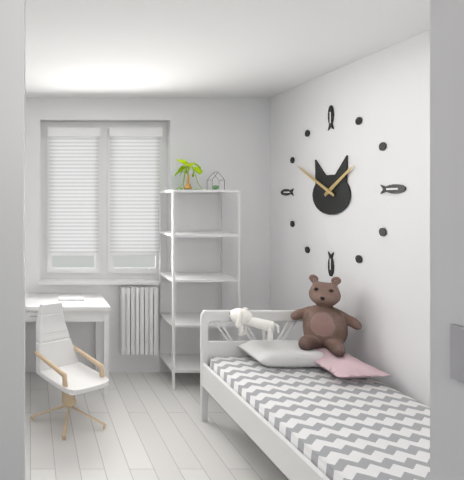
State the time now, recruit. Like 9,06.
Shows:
1,50
